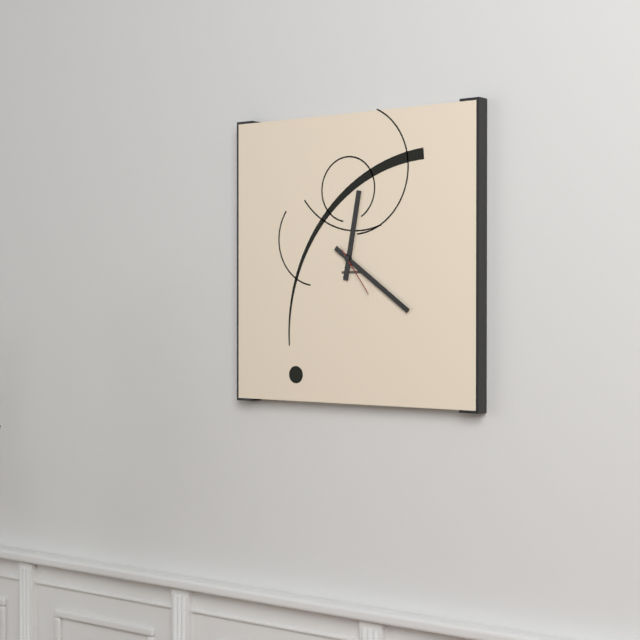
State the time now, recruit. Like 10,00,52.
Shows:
12,21,24
